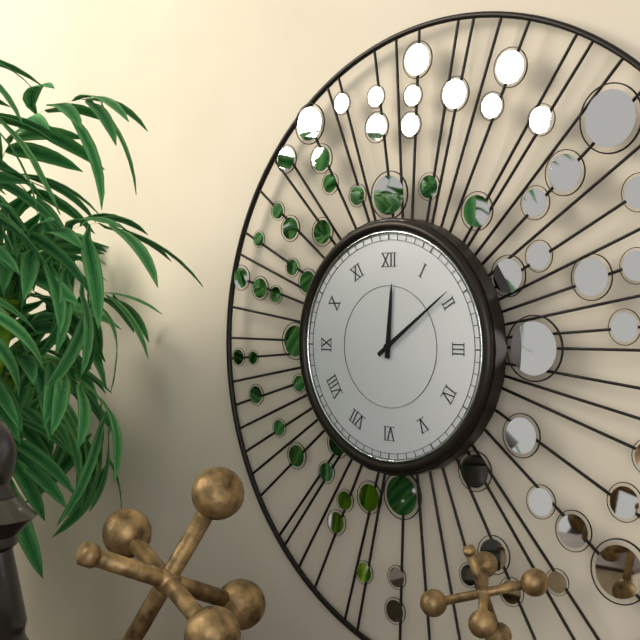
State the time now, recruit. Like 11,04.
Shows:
12,09
